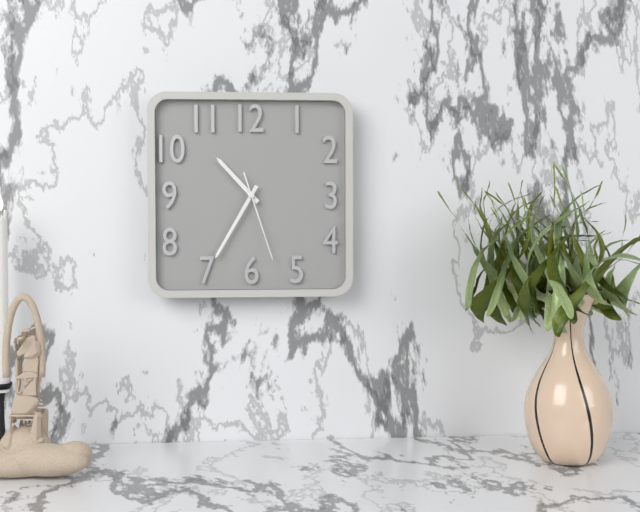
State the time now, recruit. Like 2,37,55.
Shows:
10,35,27
